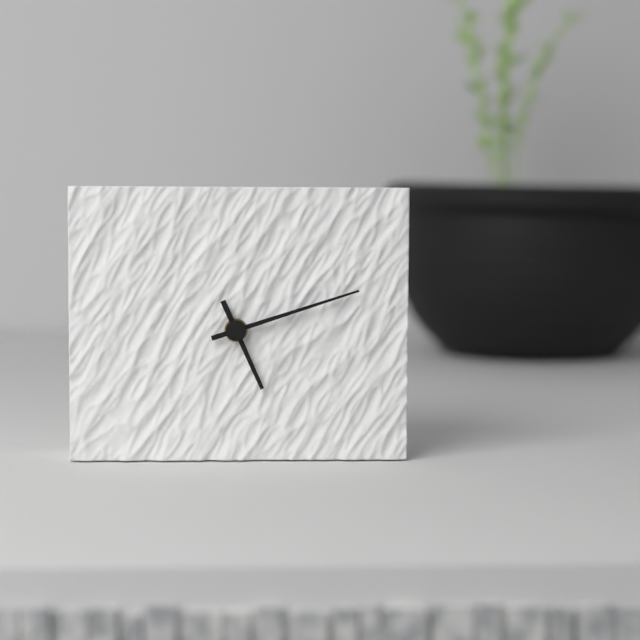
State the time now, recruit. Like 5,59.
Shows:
5,12
